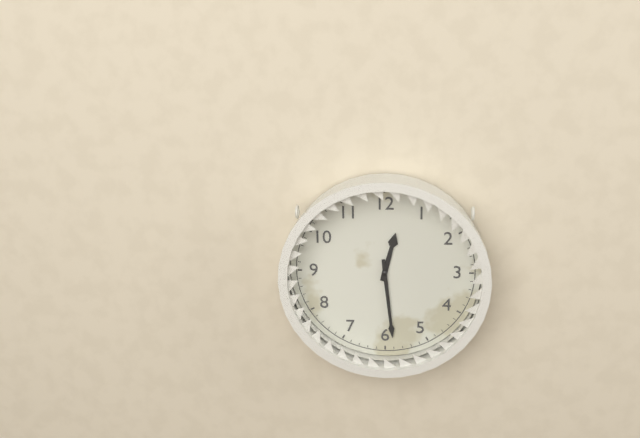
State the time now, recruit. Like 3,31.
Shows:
12,29
